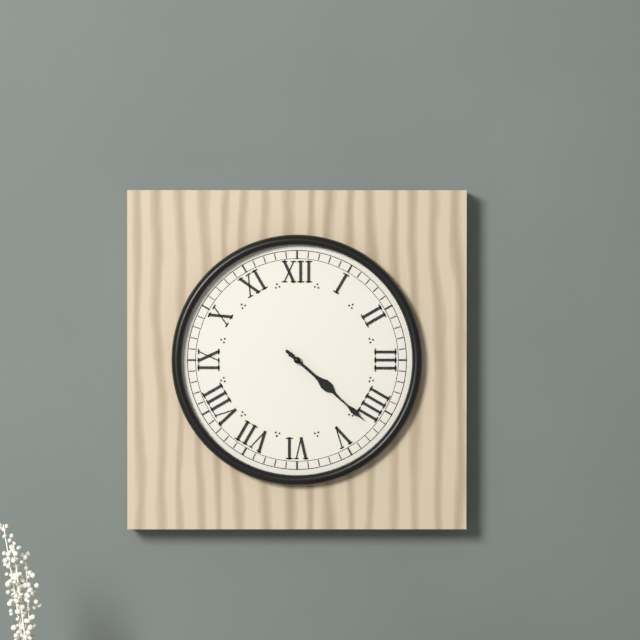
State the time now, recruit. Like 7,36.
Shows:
4,22
